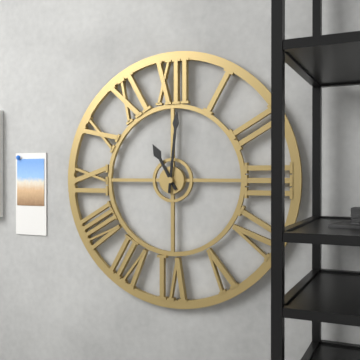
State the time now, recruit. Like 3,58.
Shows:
11,01
